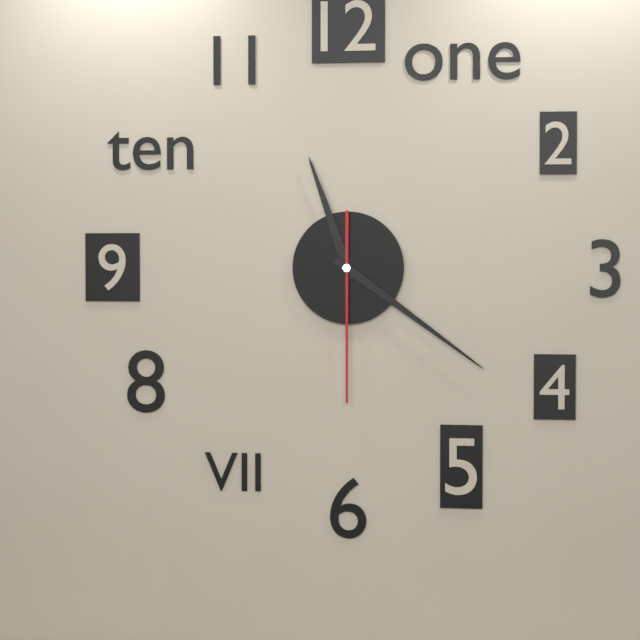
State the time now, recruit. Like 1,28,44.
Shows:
11,21,30
